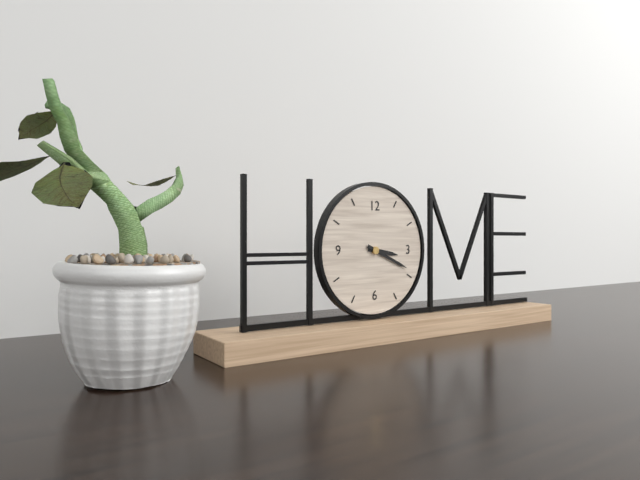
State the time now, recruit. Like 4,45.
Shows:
3,19
